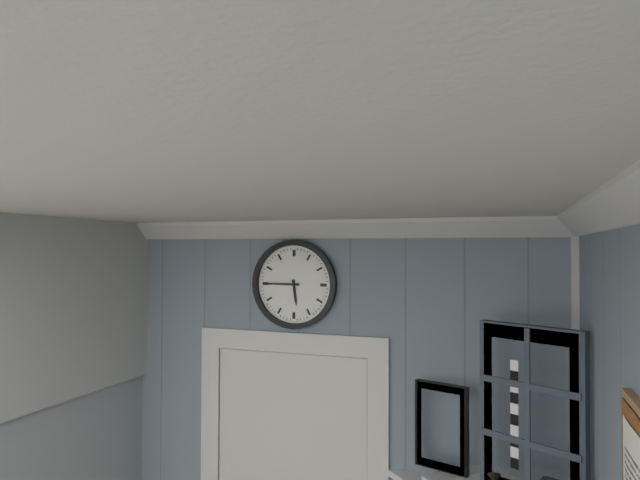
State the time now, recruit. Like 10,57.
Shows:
5,45
